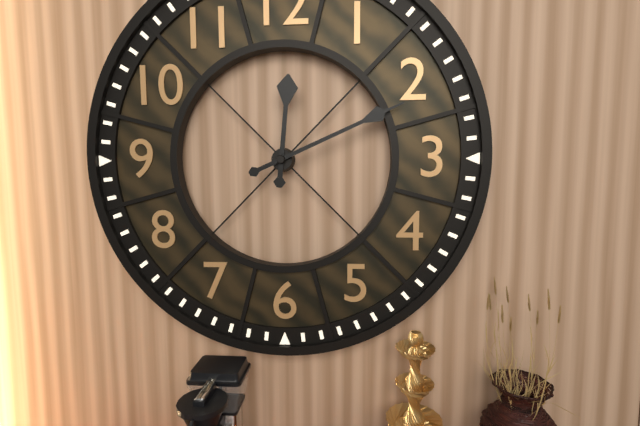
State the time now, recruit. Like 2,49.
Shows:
12,11
